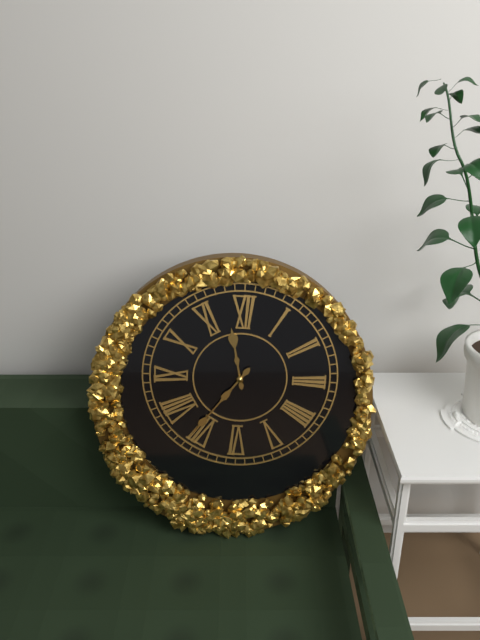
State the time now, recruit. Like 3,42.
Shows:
11,36
